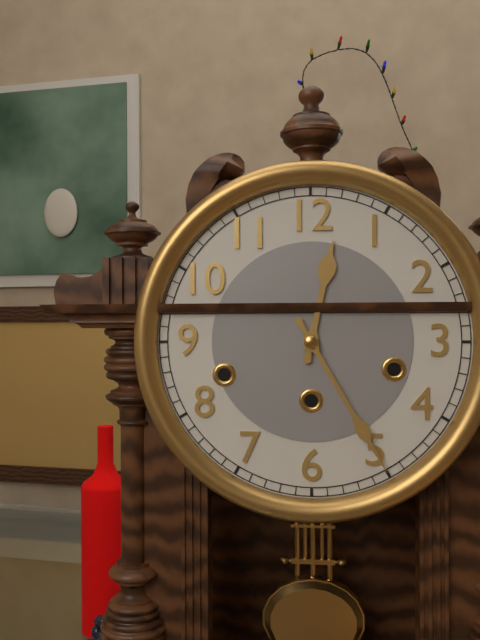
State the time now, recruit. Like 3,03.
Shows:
12,25
